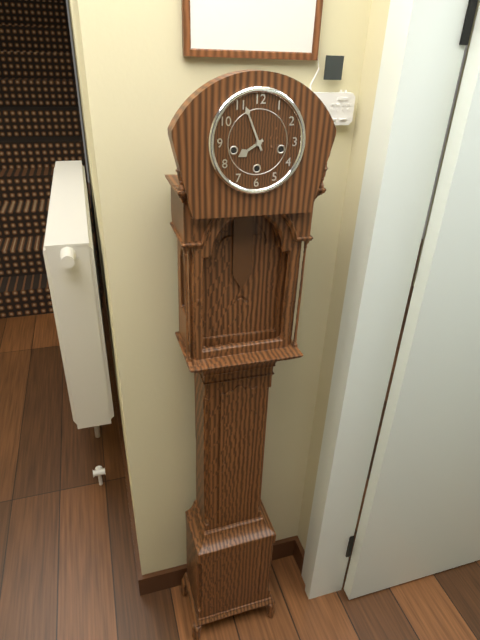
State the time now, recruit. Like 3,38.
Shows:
7,56
